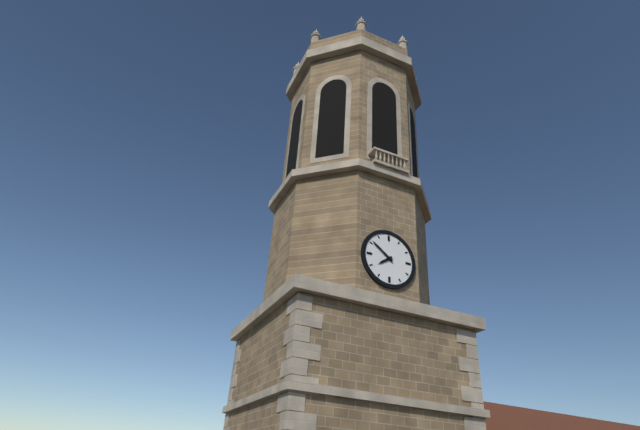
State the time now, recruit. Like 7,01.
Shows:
7,51
